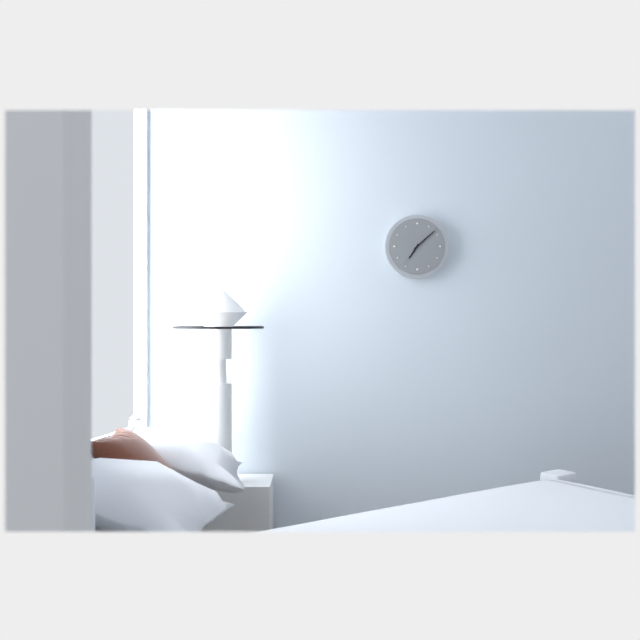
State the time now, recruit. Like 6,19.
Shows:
7,08
